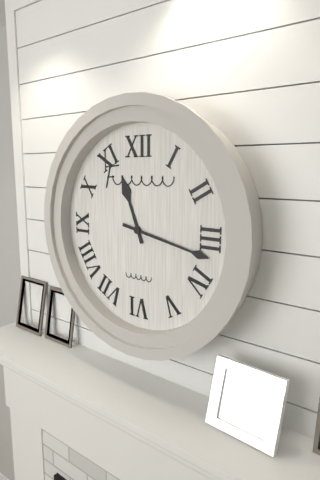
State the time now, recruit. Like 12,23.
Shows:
11,17
